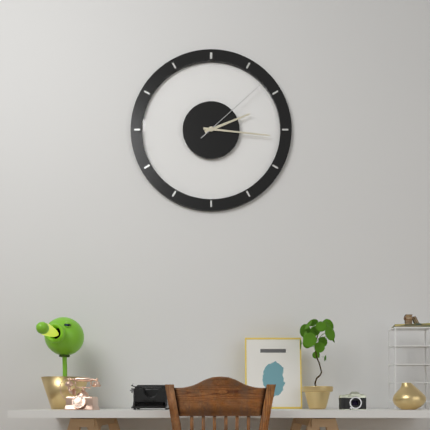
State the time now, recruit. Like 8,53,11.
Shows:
2,16,08
